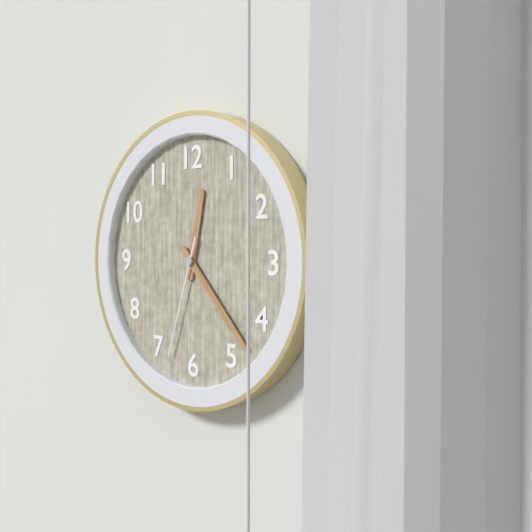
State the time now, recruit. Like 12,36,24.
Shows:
12,23,33
